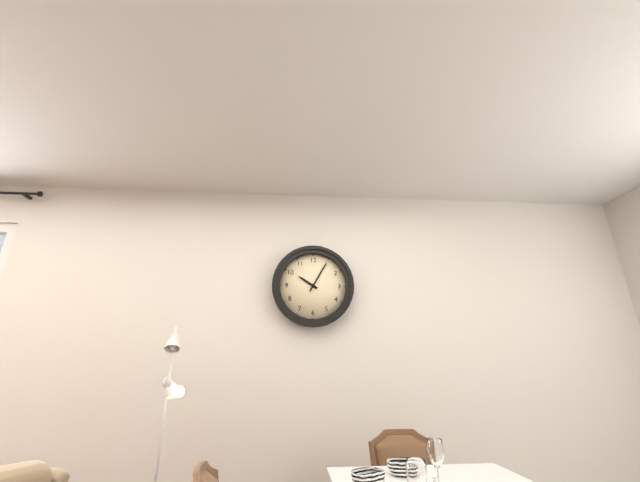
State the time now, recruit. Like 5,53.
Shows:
10,05
